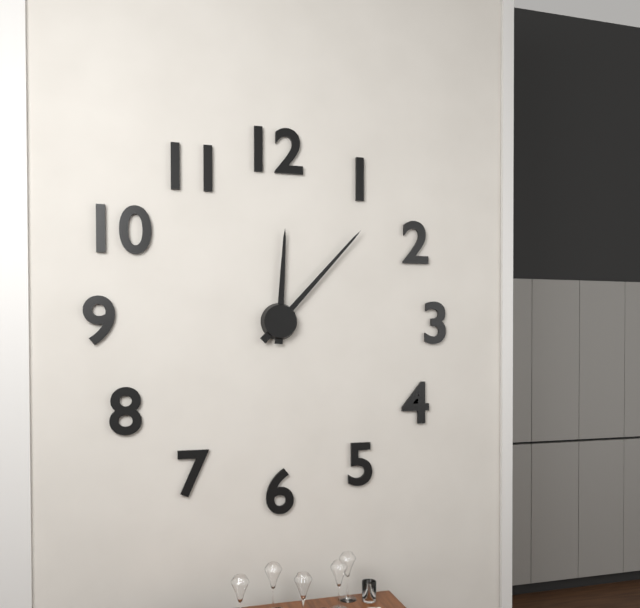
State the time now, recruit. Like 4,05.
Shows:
12,07
